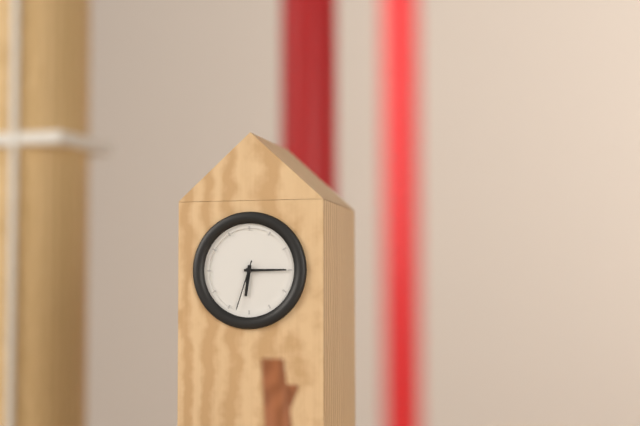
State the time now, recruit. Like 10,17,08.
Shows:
6,15,33
